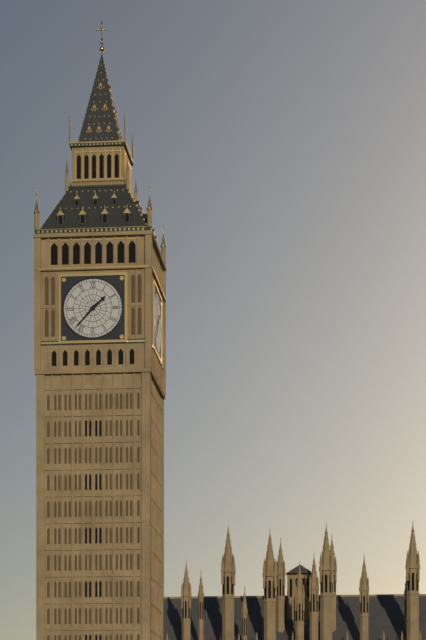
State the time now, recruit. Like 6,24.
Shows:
1,37
